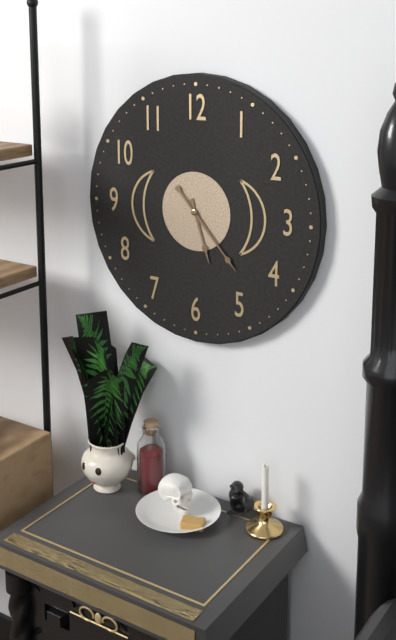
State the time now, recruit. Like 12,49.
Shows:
5,23
